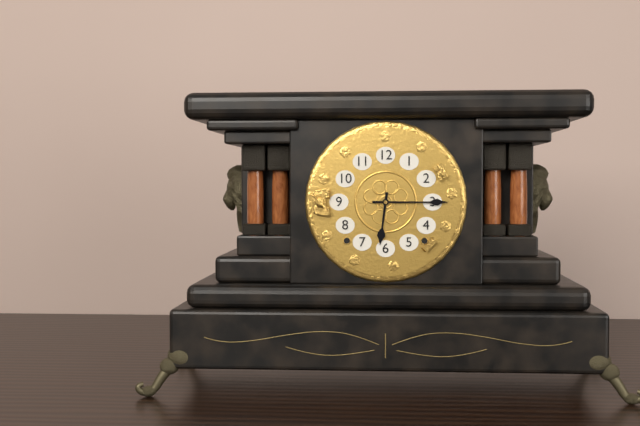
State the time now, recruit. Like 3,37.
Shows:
6,15
